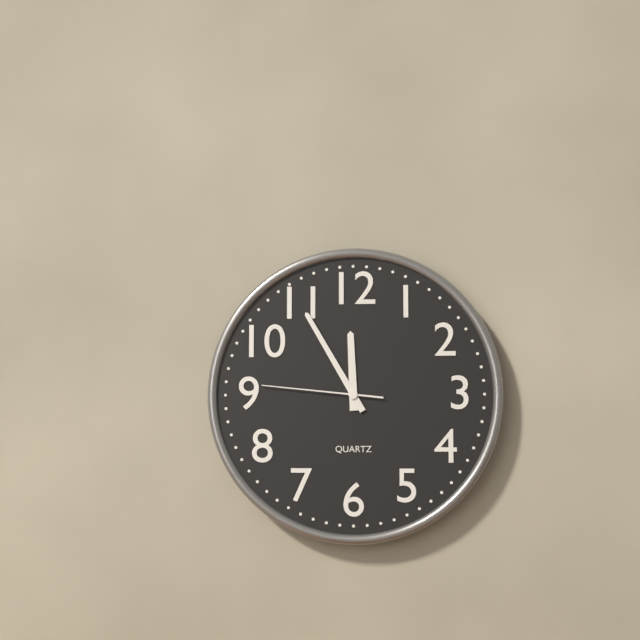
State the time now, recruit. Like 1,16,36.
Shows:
11,55,46
